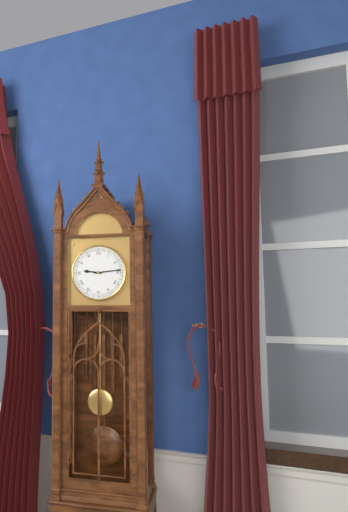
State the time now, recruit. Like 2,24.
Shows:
9,14
